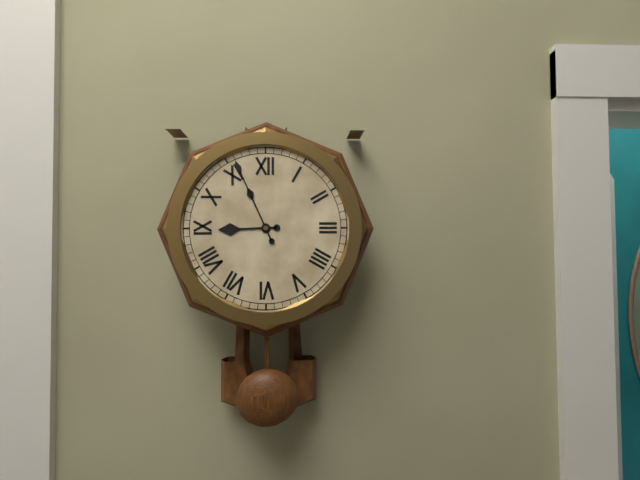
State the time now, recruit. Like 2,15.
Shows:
8,56
